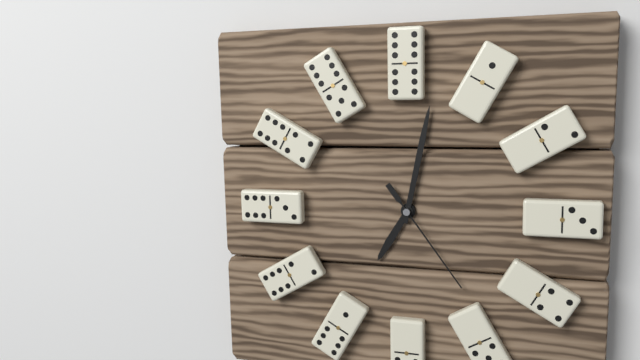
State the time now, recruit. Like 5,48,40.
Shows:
7,02,24
